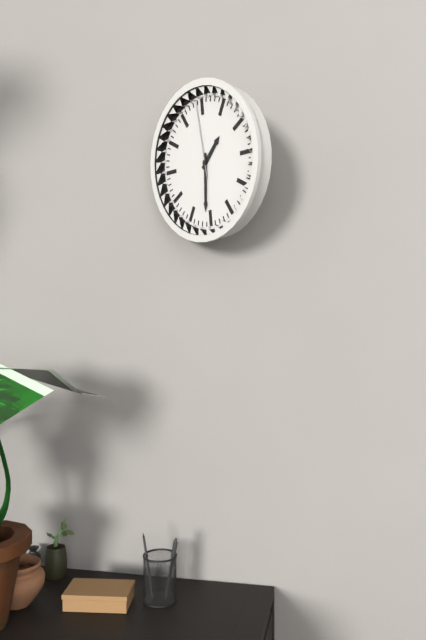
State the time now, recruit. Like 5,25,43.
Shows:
1,31,59
